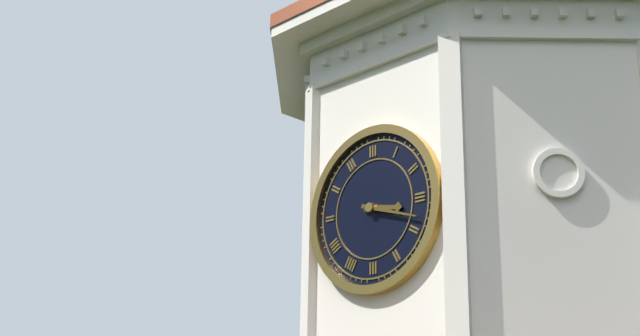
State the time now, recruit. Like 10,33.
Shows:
3,18
